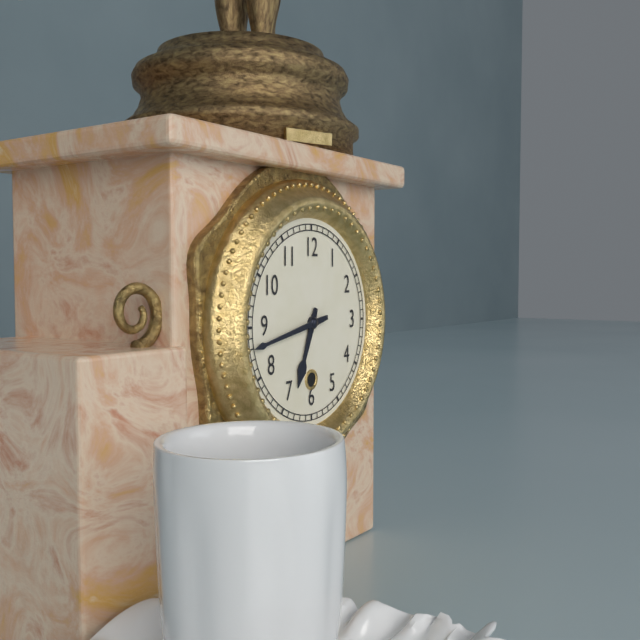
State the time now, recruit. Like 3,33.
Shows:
6,43
